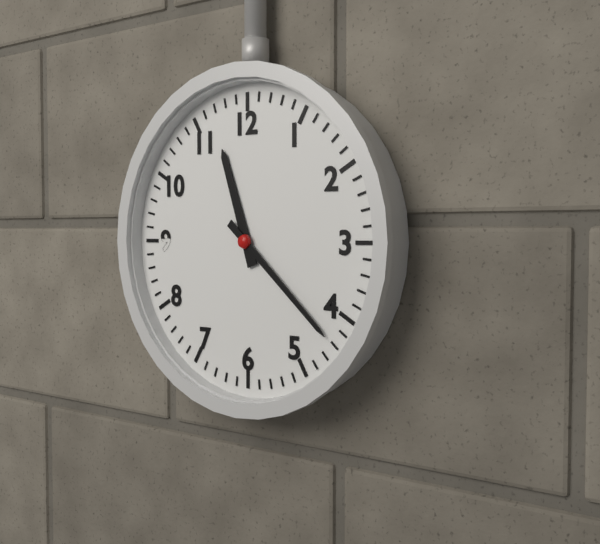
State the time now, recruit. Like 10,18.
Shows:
11,22
